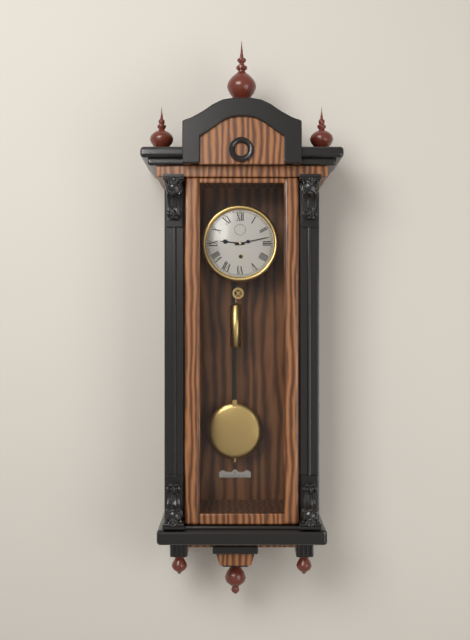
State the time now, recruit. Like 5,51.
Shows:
9,13
